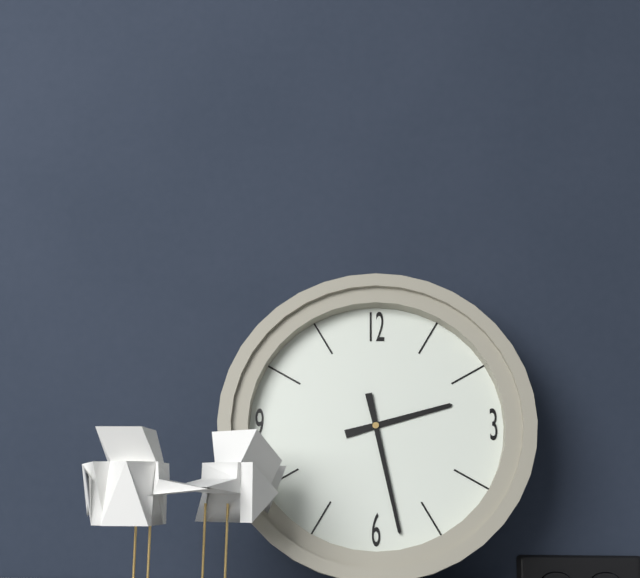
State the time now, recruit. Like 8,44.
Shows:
2,28
